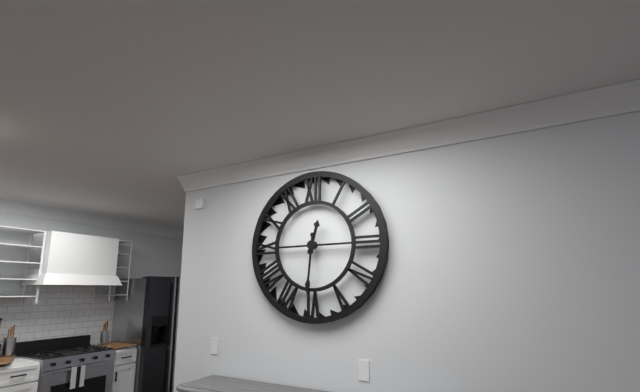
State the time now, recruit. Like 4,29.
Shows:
12,31
